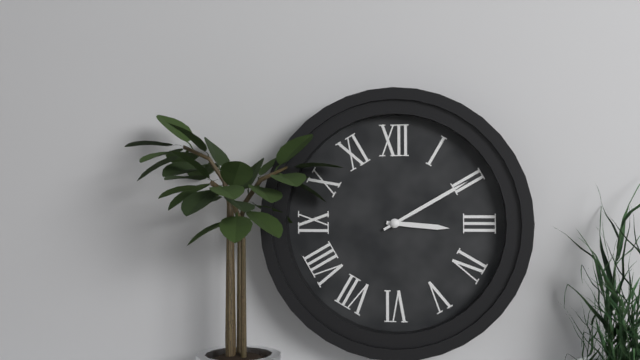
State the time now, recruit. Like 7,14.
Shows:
3,10
